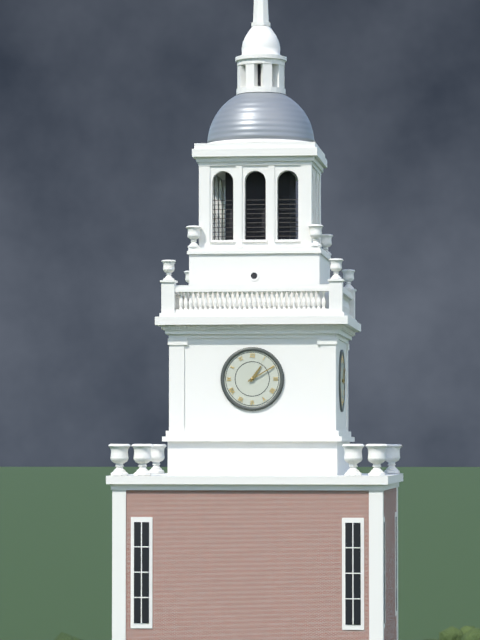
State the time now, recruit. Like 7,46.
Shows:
1,10
